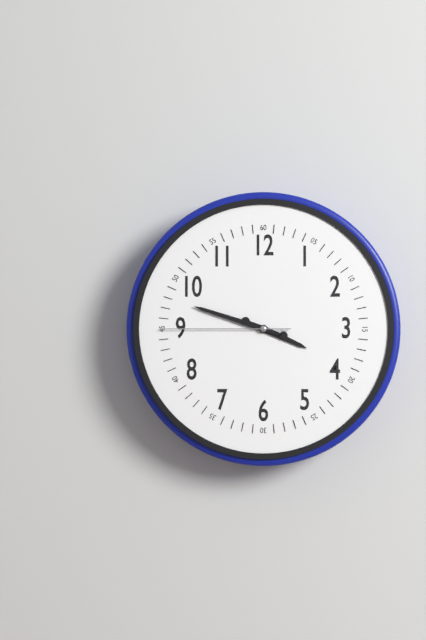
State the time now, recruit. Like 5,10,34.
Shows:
3,48,45
